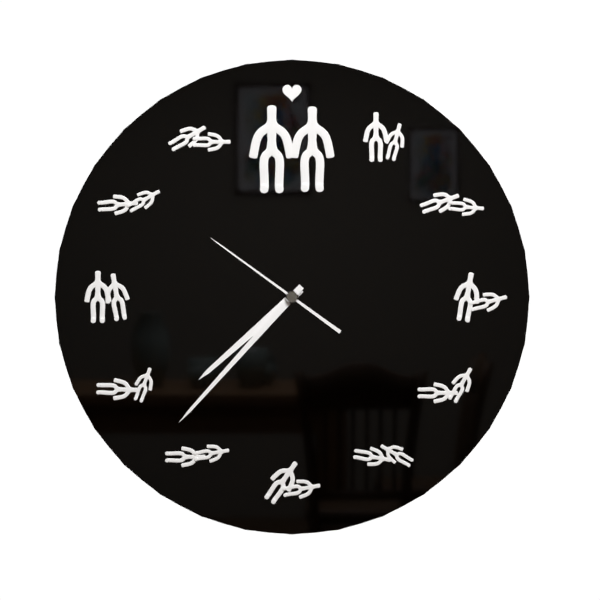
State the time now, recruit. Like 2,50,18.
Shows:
7,37,51
